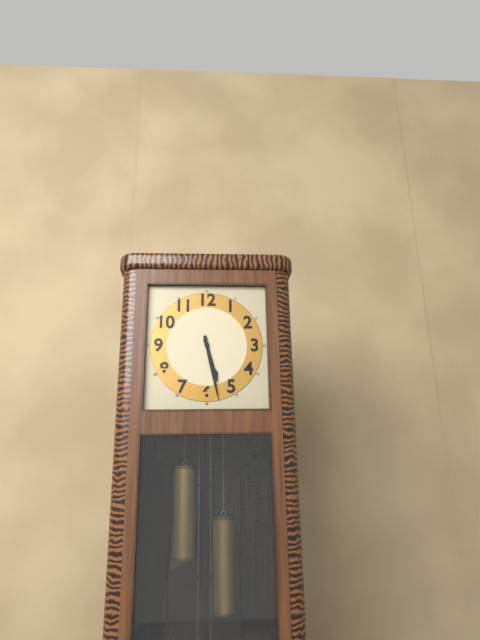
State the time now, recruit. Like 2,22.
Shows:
5,28
